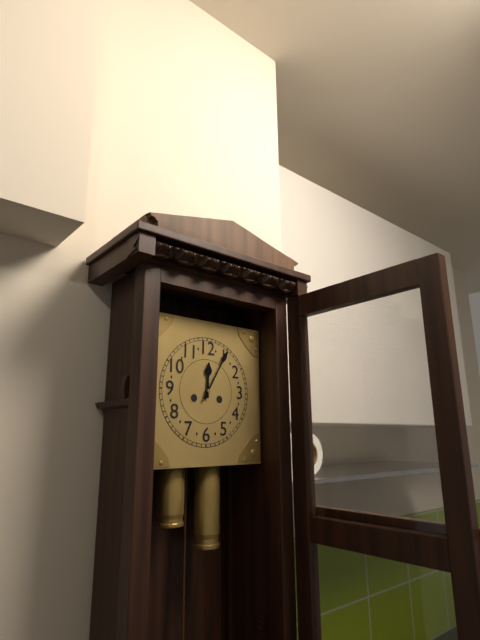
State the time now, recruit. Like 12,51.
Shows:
12,05
